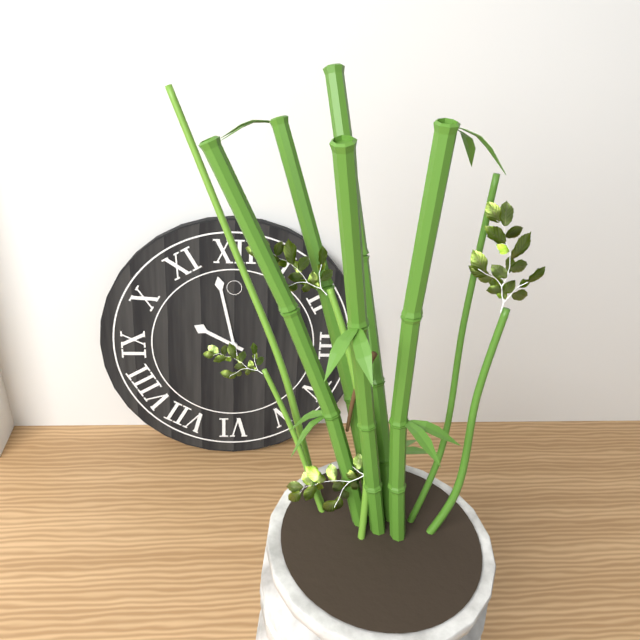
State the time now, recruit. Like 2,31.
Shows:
9,58
